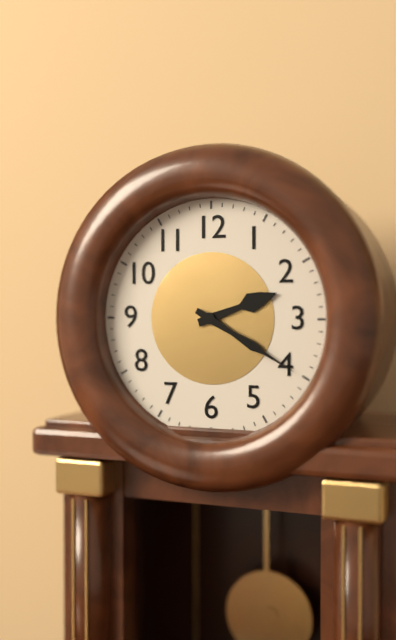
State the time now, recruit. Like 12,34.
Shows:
2,20
